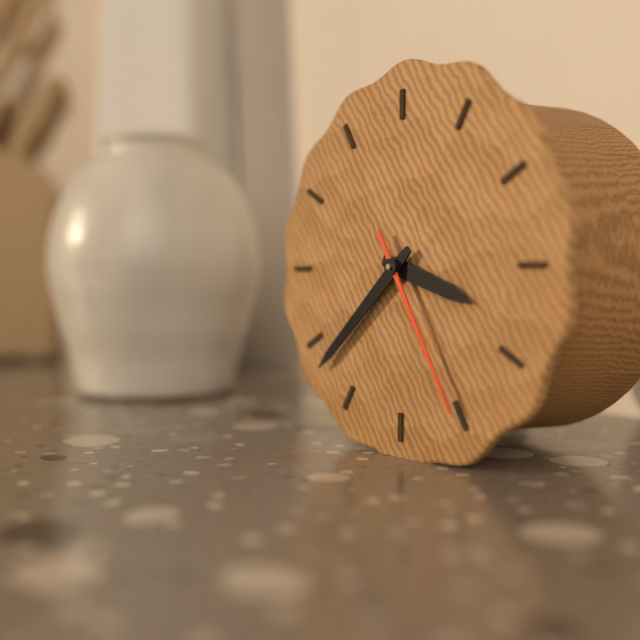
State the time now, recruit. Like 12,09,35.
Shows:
3,38,25
